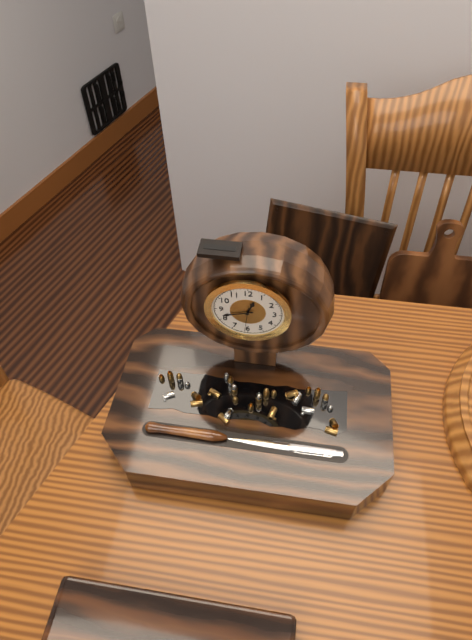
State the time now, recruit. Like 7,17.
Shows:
12,42
